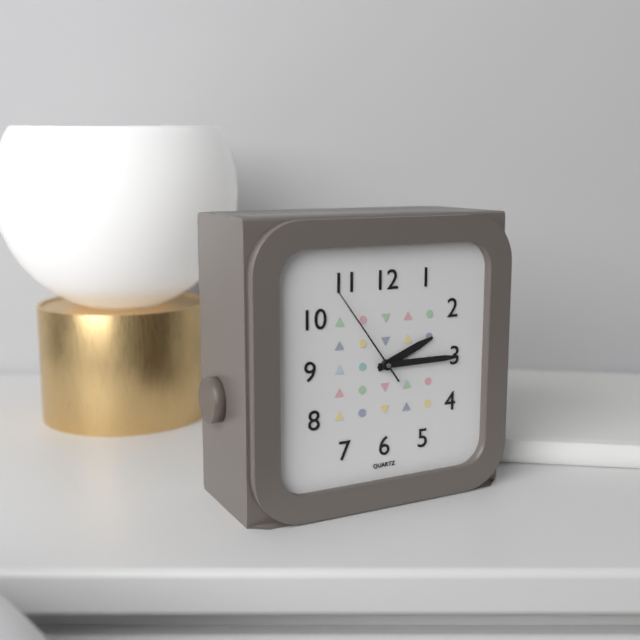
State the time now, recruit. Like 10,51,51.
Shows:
2,15,54
